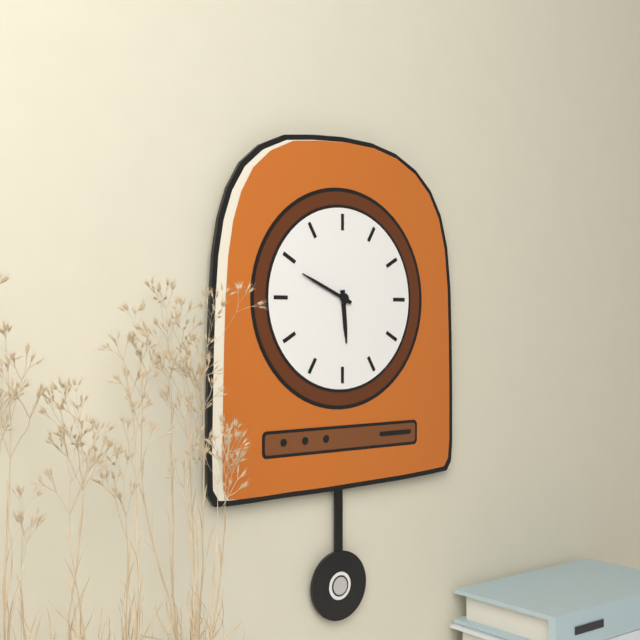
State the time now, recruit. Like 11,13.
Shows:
5,49
